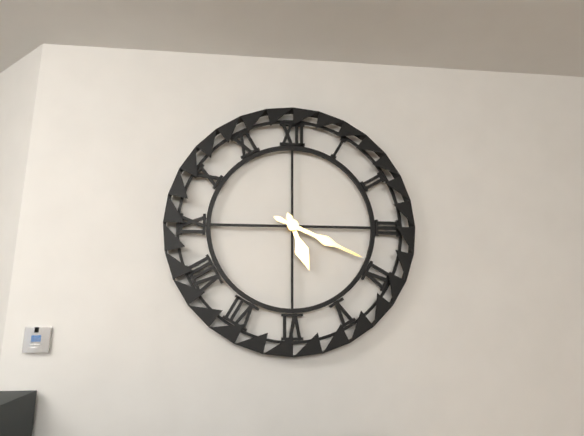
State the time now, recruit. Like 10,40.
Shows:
5,19
